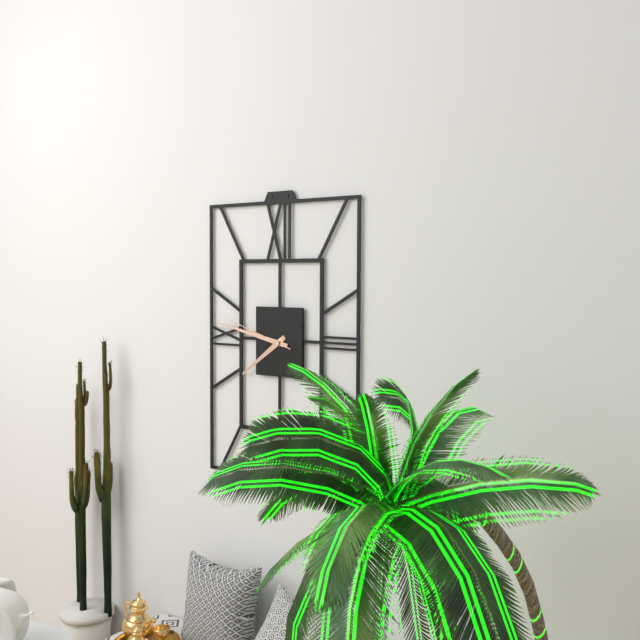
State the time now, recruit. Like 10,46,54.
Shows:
7,47,48
